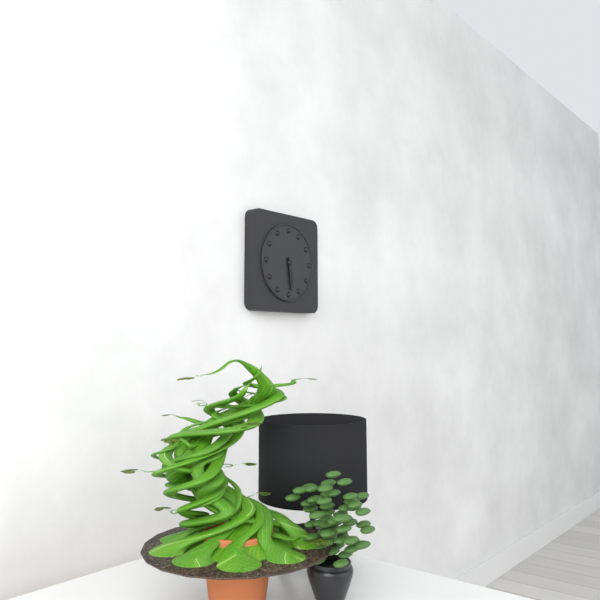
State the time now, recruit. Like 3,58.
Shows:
5,29
